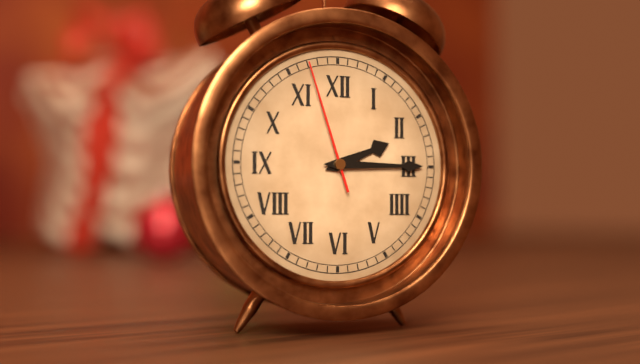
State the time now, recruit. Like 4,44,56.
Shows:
2,15,57
